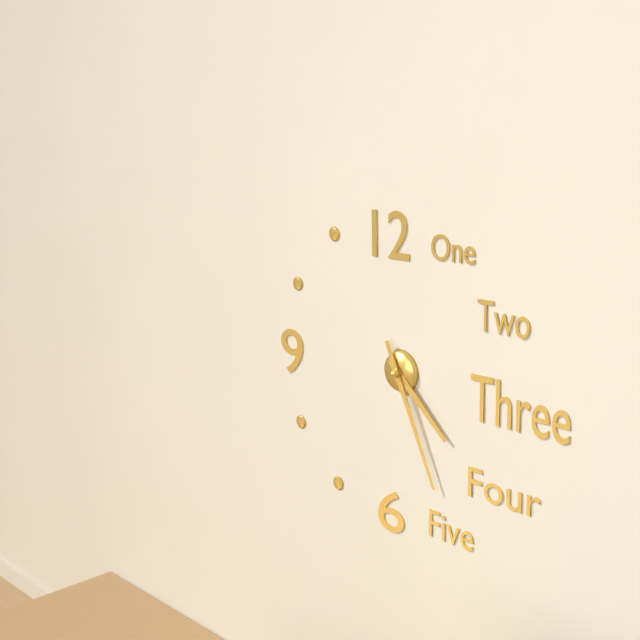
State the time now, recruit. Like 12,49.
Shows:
4,26
